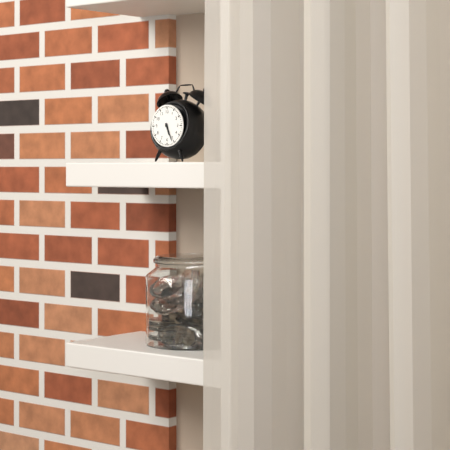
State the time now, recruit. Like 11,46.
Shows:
5,26
